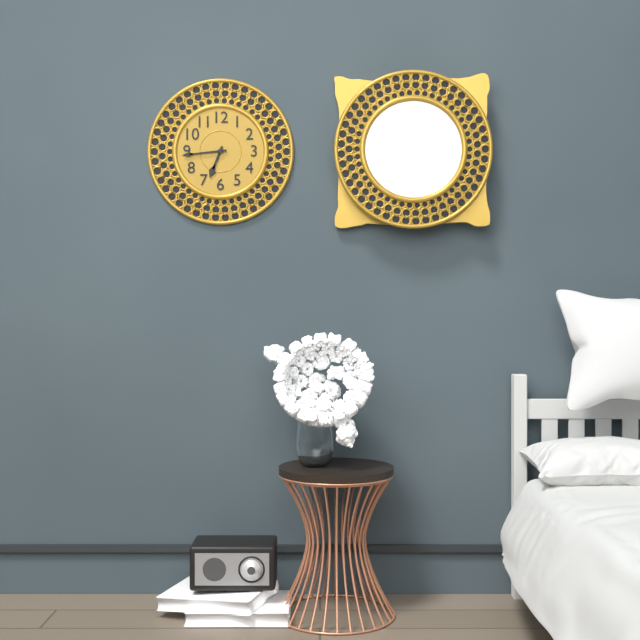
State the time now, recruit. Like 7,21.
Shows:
6,44
